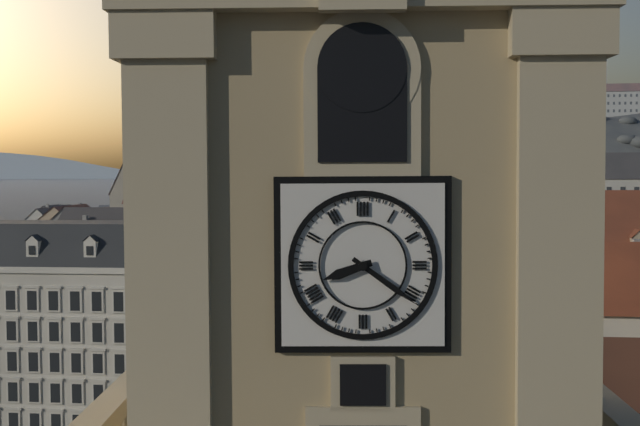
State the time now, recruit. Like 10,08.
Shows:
8,21
